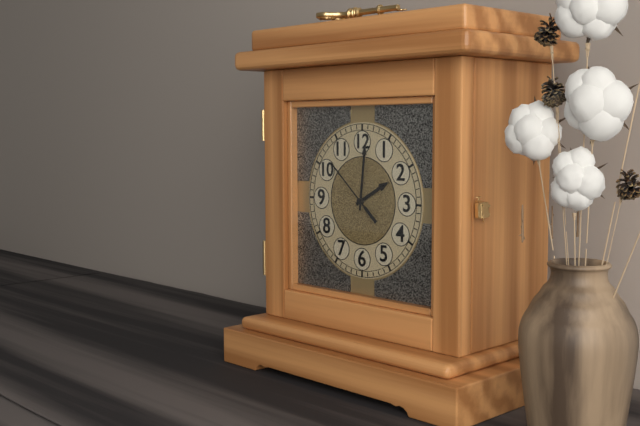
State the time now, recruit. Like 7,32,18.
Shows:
2,01,52
